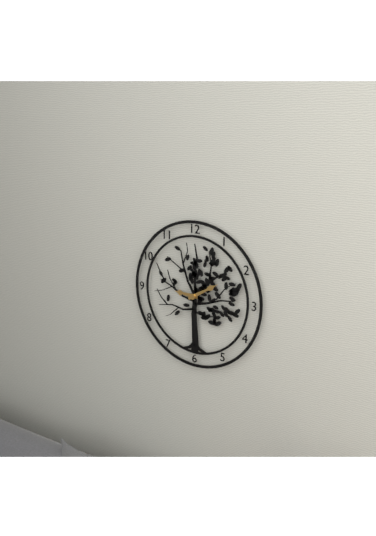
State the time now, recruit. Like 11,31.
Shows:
9,10
